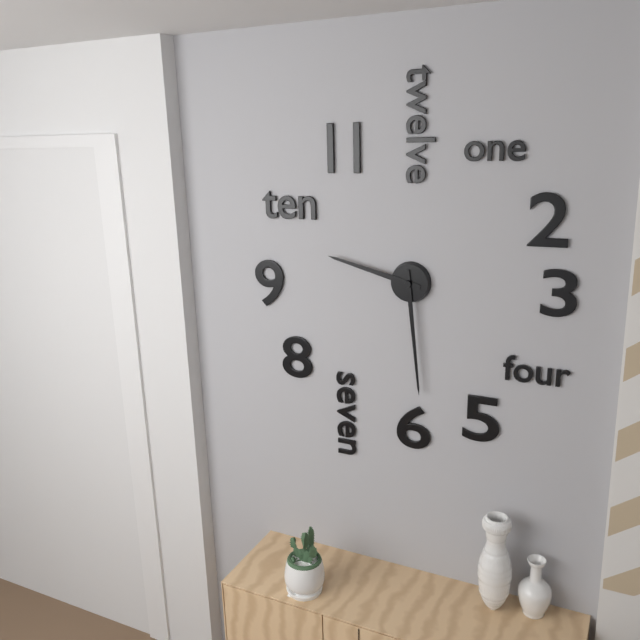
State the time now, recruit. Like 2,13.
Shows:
9,29
